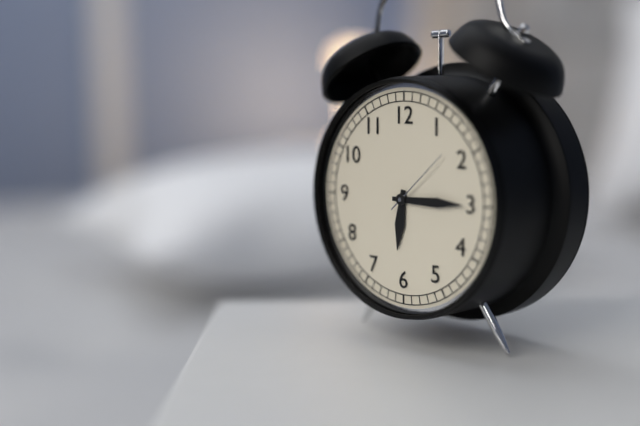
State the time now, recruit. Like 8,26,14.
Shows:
6,15,08
